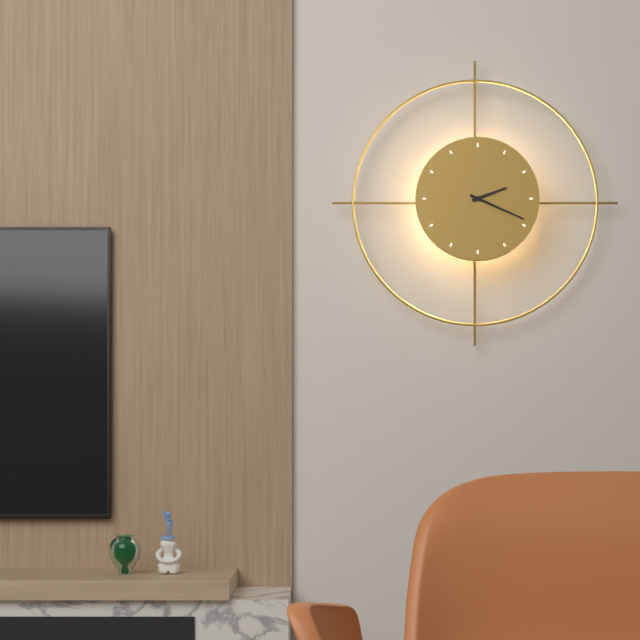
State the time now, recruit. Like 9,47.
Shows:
2,19
